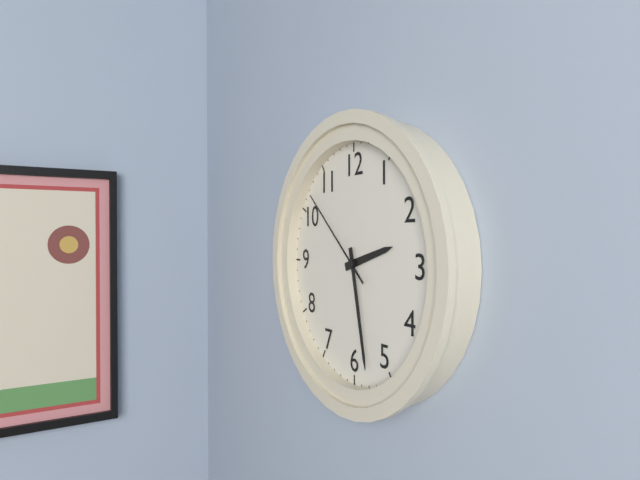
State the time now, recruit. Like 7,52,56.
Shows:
2,28,52
